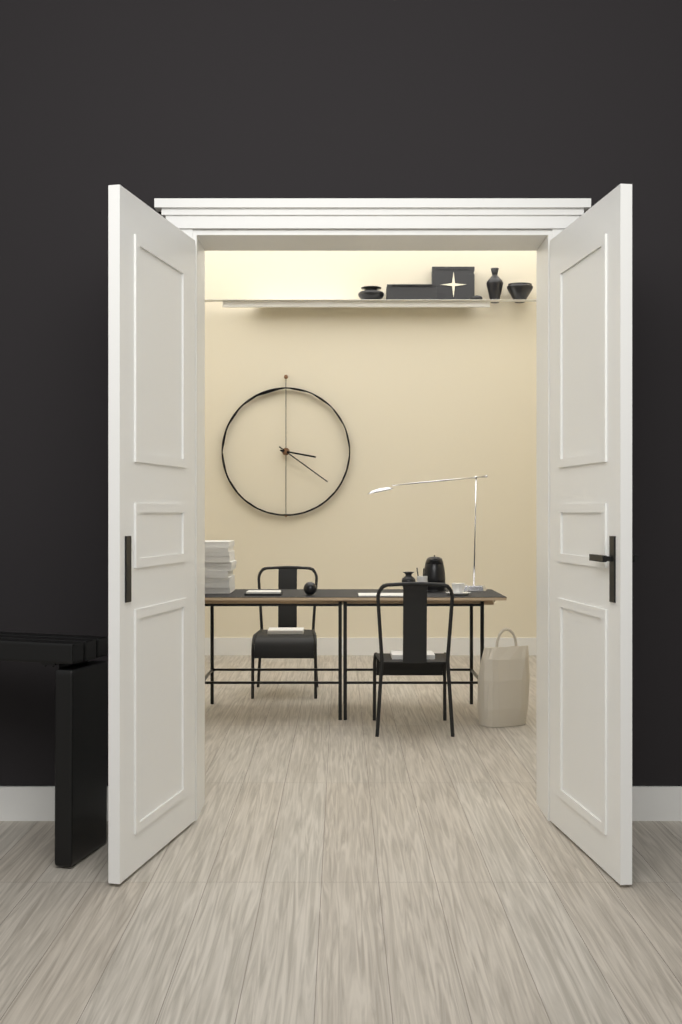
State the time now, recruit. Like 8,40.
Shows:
3,21
